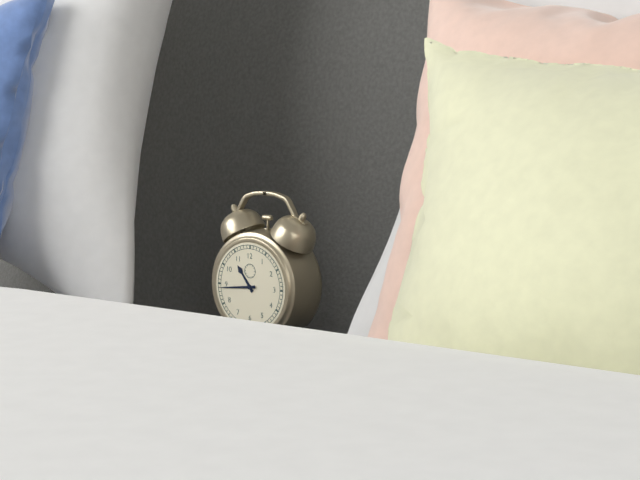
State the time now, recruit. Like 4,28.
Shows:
10,44
